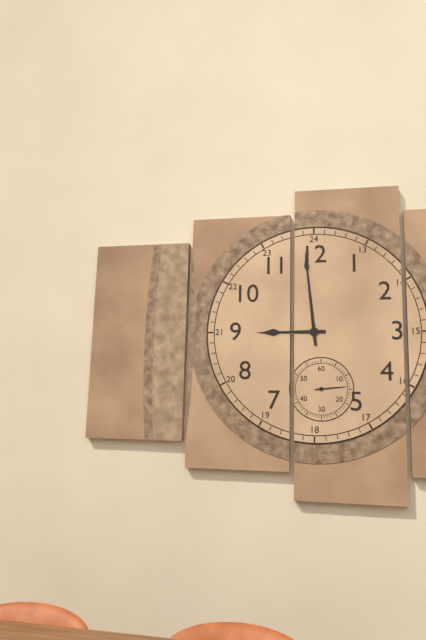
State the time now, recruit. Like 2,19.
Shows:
8,59
